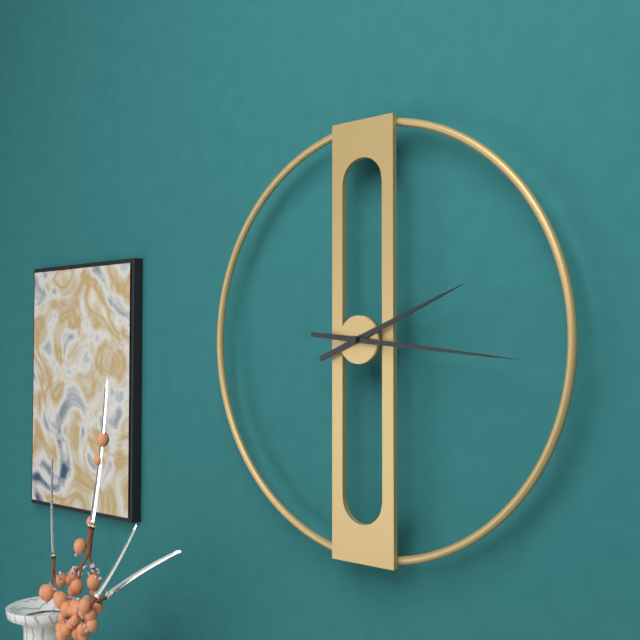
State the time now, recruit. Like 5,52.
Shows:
2,16
